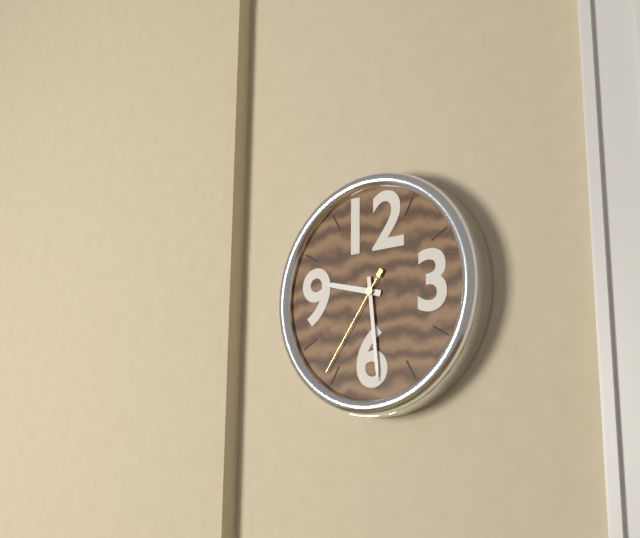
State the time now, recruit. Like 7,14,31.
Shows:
9,29,36
